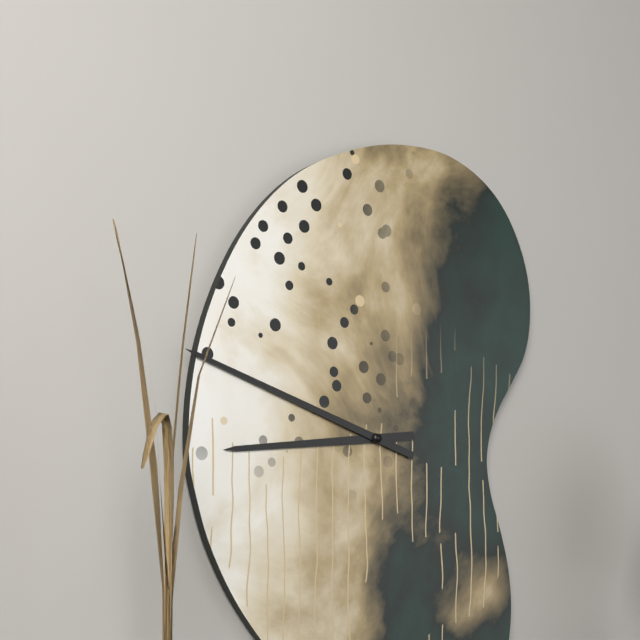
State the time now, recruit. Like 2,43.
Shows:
8,48
